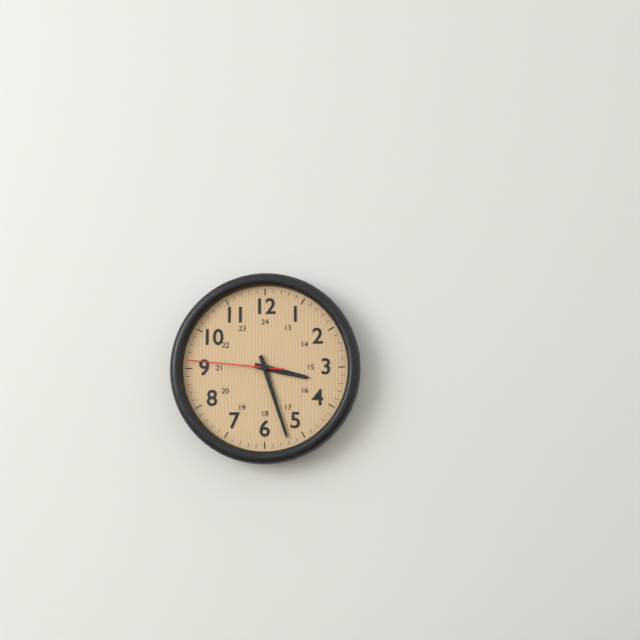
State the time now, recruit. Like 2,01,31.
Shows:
3,27,46
